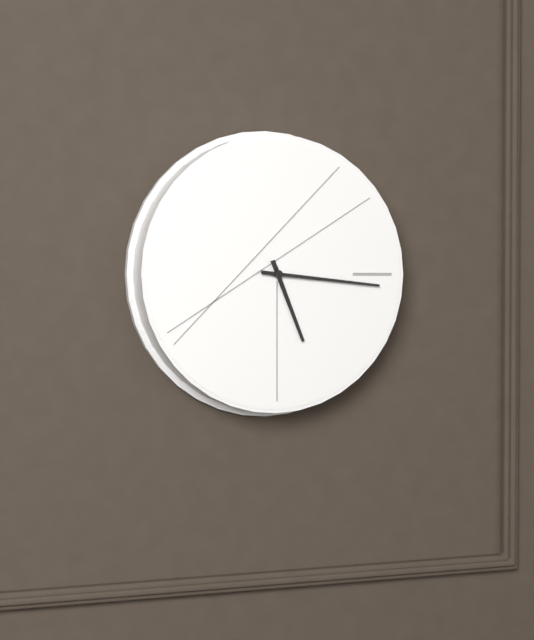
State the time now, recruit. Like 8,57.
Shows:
5,16
